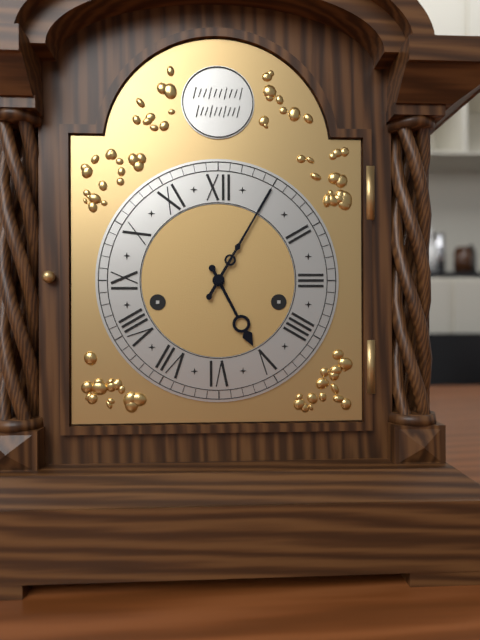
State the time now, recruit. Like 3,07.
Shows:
5,05
